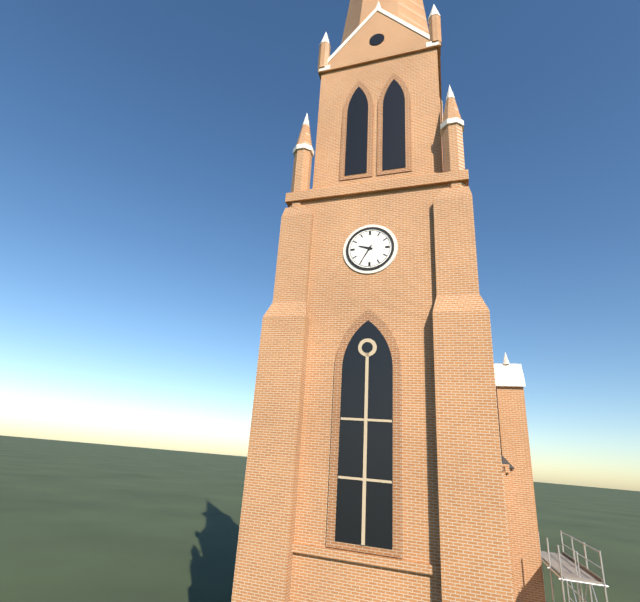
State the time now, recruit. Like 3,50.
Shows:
9,35
